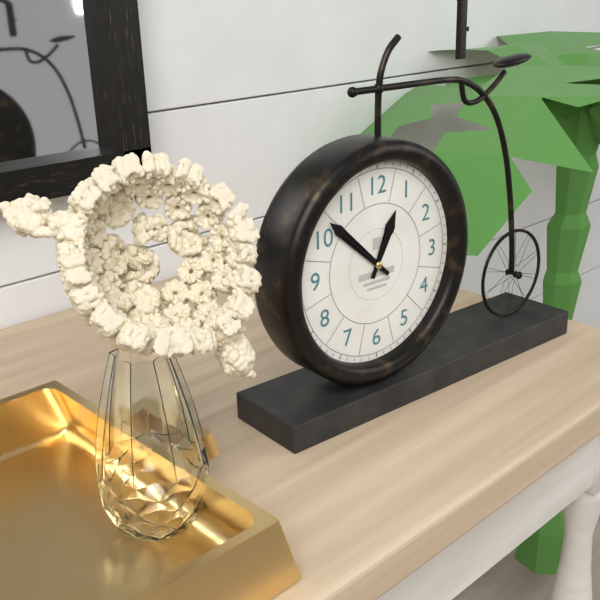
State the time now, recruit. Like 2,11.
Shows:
12,52
